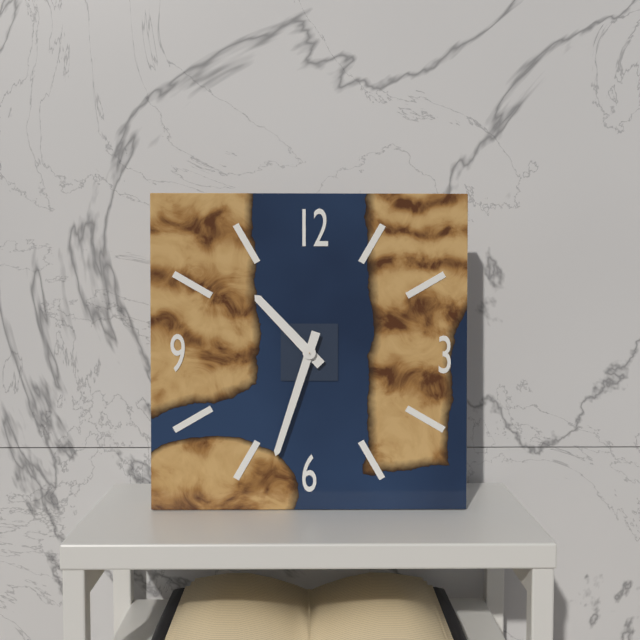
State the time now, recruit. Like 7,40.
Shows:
10,33
